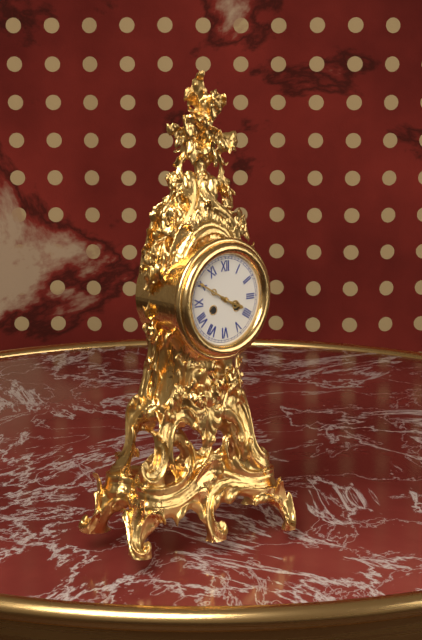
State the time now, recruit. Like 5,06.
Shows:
3,50
